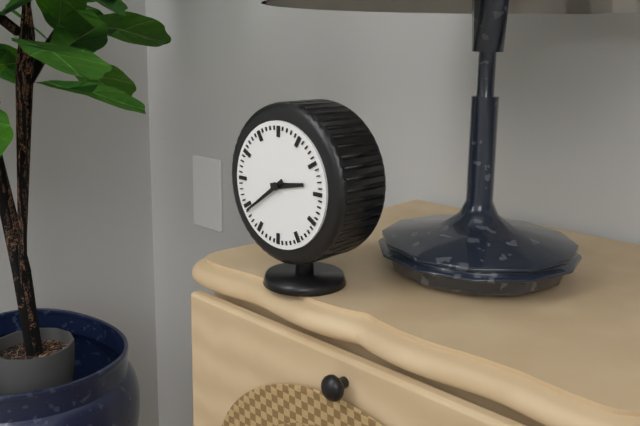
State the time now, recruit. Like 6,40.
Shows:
2,39
